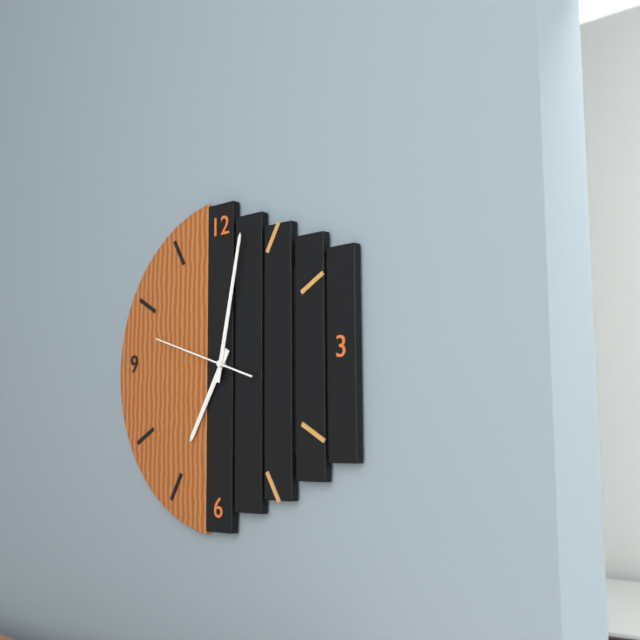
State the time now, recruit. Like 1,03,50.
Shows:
7,02,48
